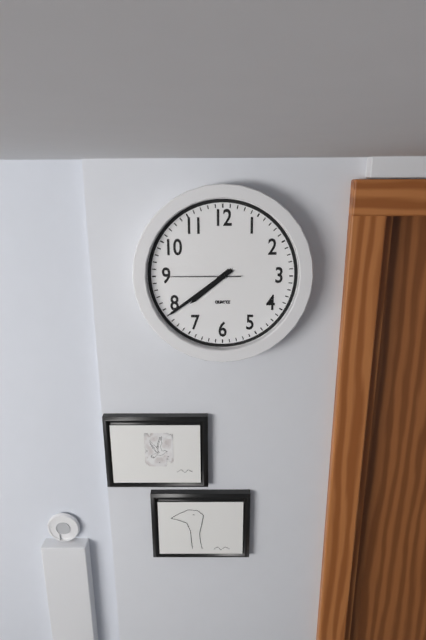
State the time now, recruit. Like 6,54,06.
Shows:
7,39,45
